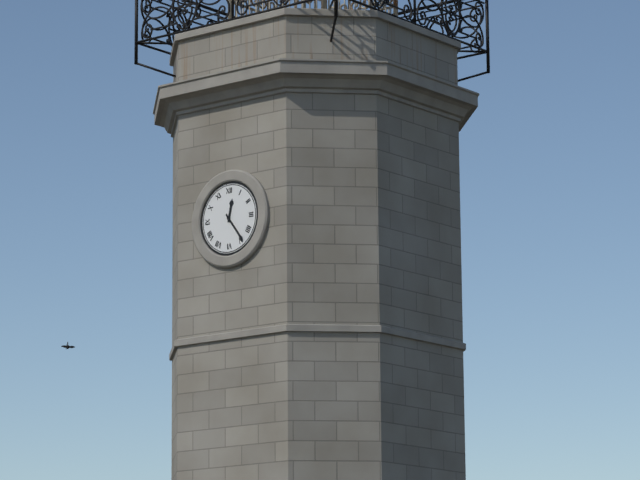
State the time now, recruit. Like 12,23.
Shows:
12,24
